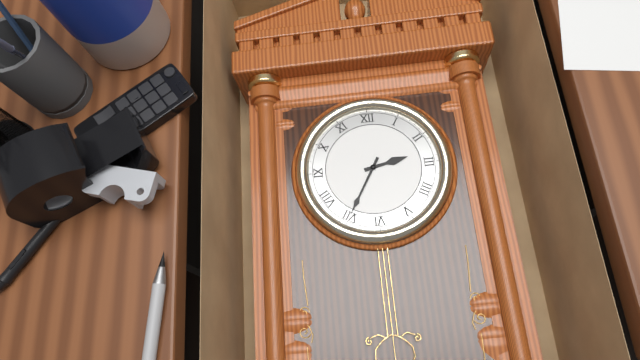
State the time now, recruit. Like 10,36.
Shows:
2,35
